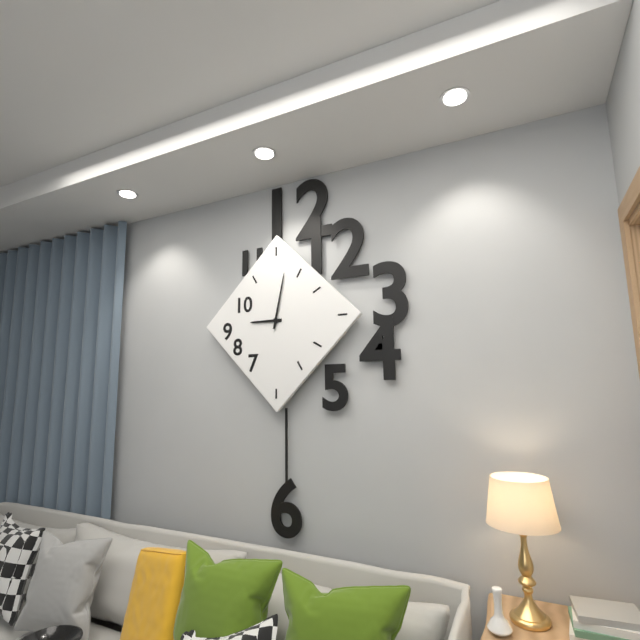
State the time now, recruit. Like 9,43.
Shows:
9,02
